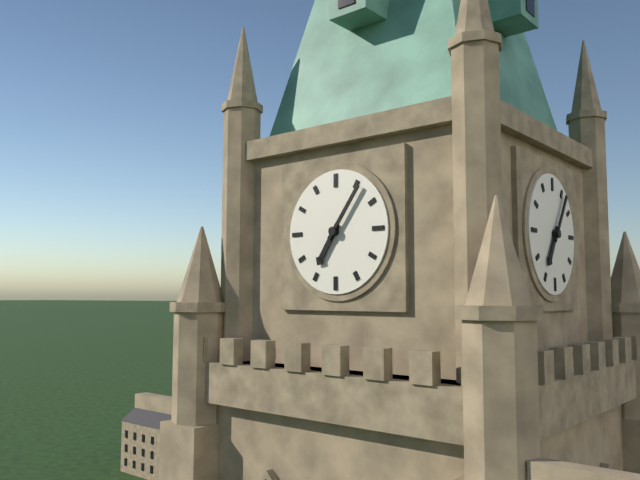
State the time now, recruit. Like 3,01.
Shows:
7,06
